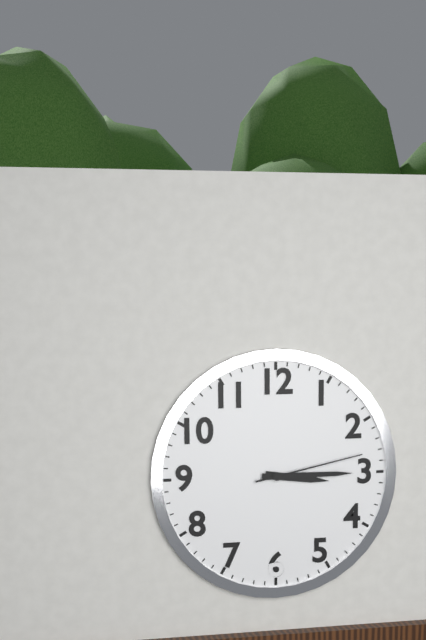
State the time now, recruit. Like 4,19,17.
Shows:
3,15,13
